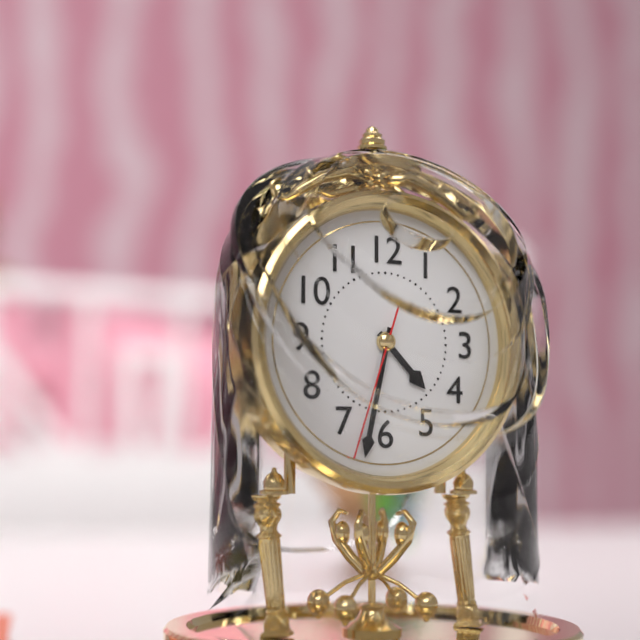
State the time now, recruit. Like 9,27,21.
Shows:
4,32,33
